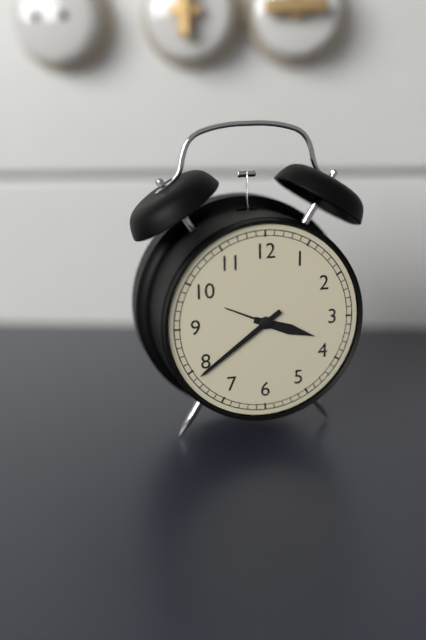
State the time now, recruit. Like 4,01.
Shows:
3,39
